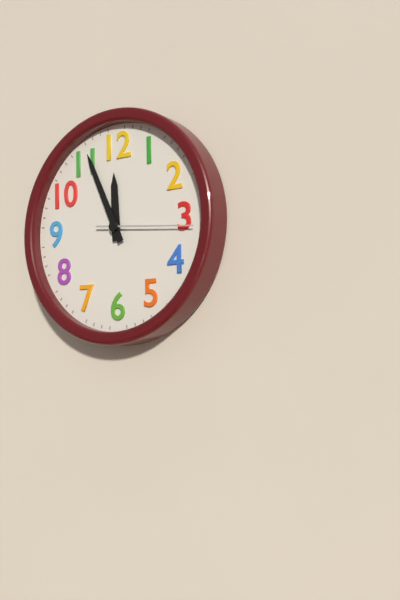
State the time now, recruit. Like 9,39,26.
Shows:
11,56,16
